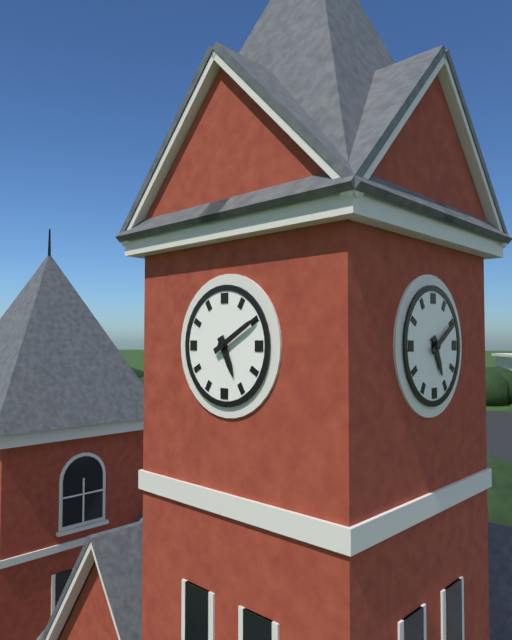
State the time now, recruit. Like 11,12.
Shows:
5,10
